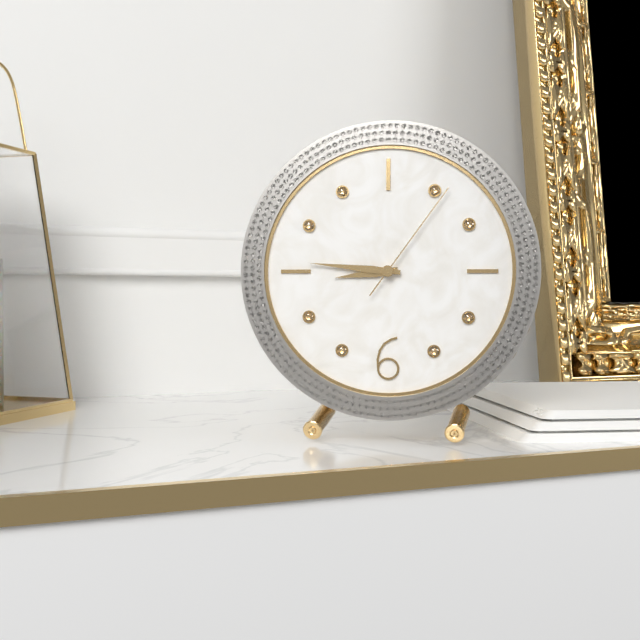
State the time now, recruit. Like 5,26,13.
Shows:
8,46,06
